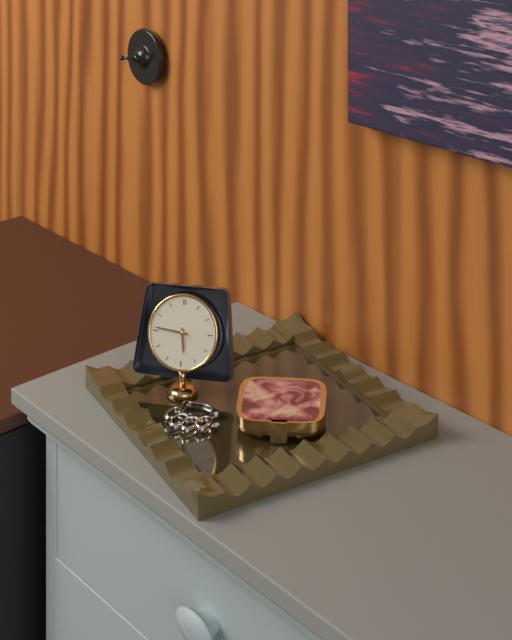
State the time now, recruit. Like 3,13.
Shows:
5,46
